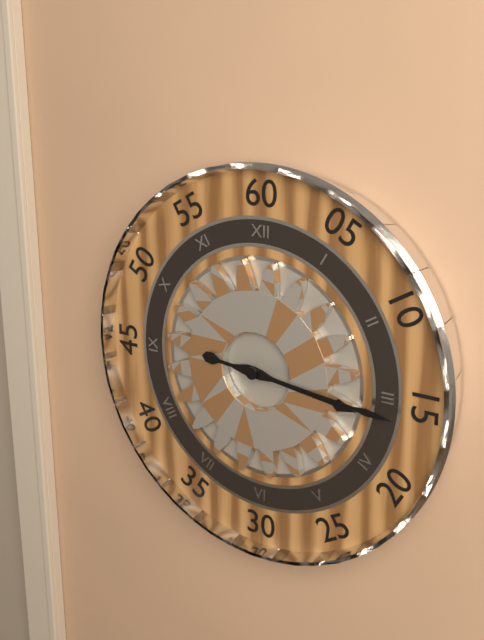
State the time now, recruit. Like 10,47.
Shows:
3,16
